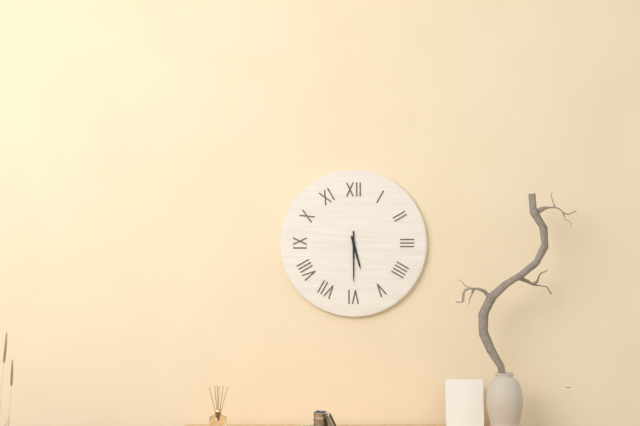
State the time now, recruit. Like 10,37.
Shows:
5,30
